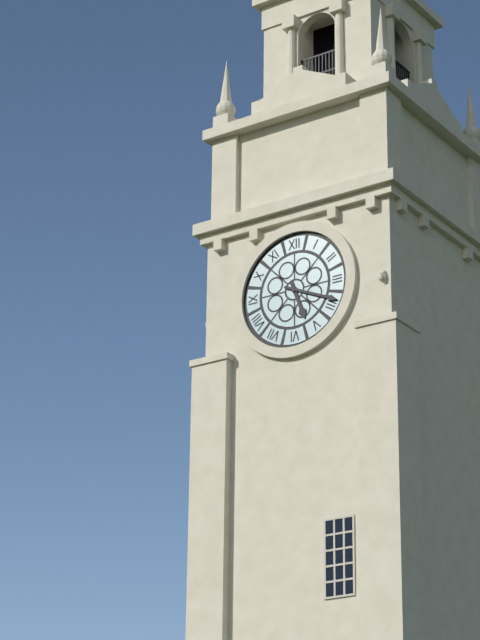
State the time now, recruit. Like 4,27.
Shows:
5,19
